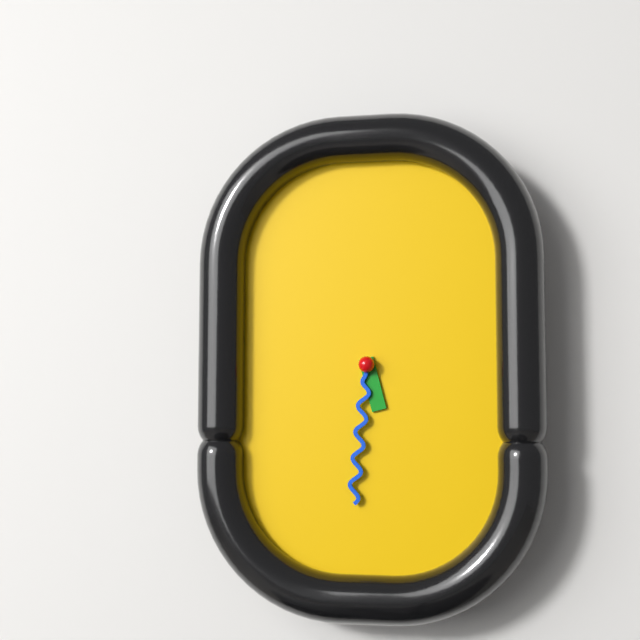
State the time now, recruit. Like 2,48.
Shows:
5,31
